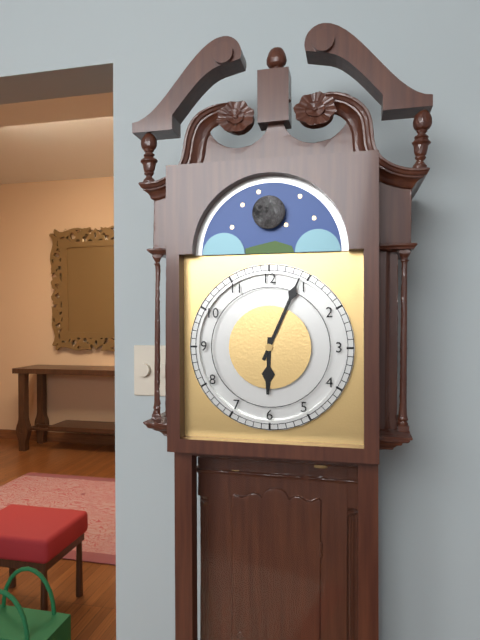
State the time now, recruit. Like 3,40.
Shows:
6,04
